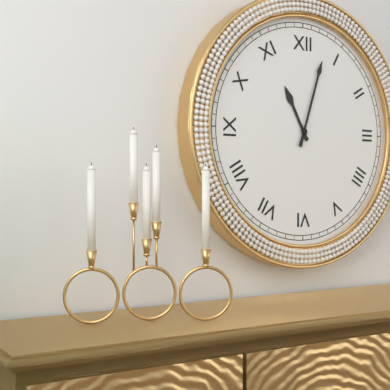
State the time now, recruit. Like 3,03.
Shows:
11,03
